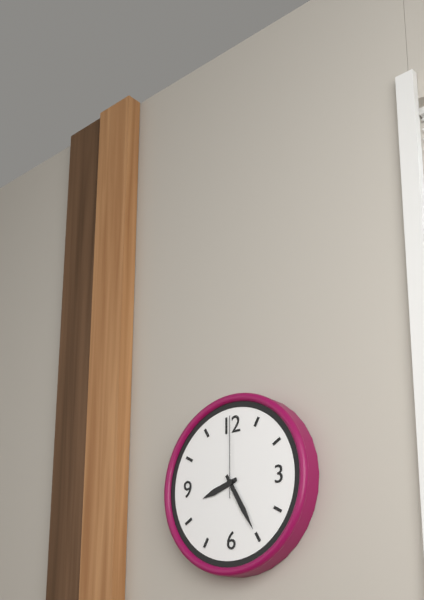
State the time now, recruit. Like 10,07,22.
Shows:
8,25,00
